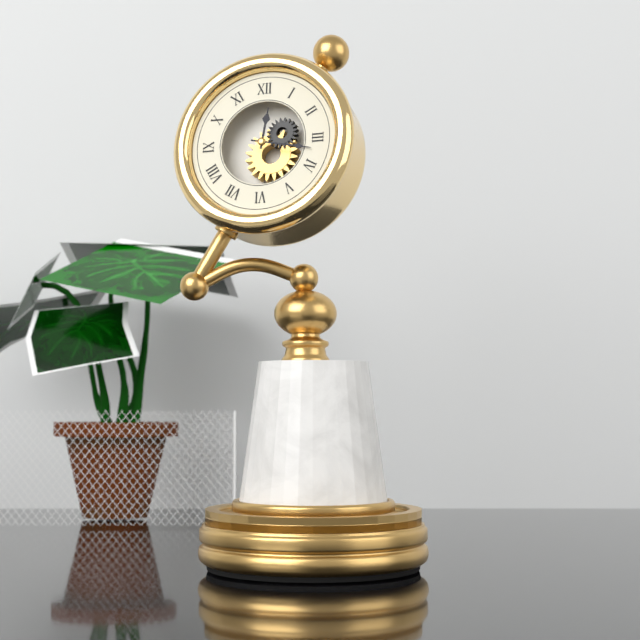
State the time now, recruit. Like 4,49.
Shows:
12,17
